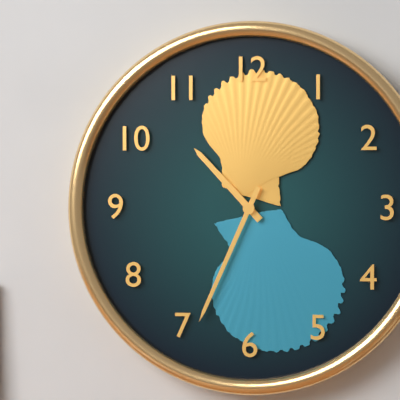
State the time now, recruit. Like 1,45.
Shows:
10,34
